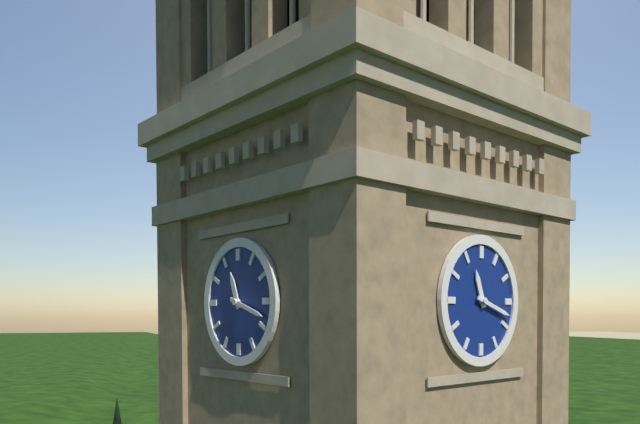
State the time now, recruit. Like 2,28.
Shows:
11,18
